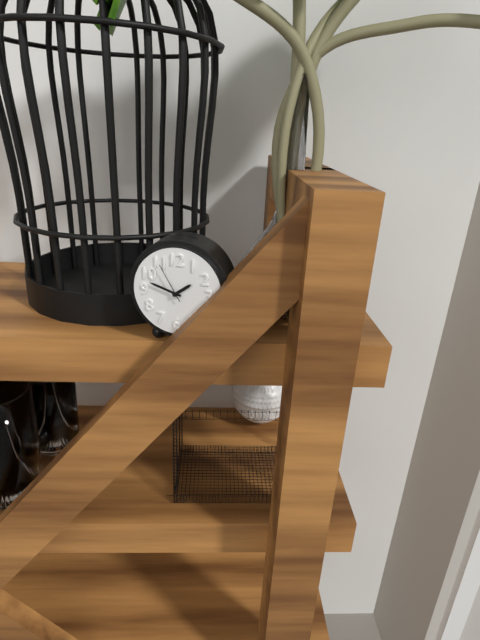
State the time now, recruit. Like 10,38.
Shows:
1,48
